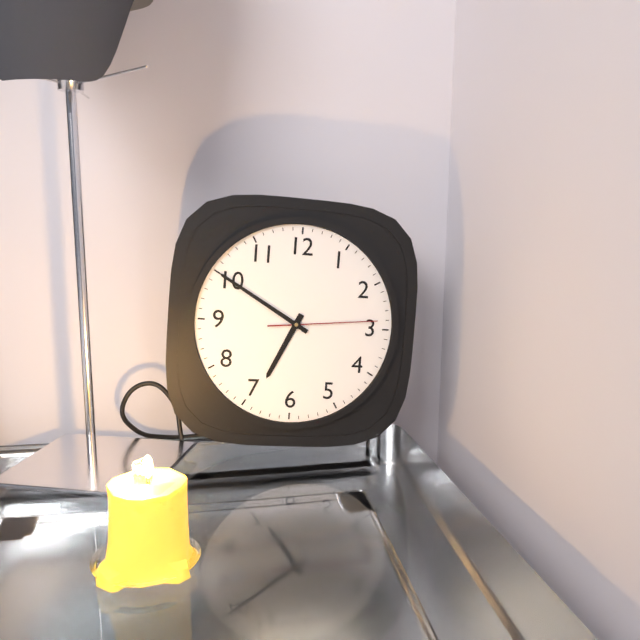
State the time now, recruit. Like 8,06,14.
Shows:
6,50,14
